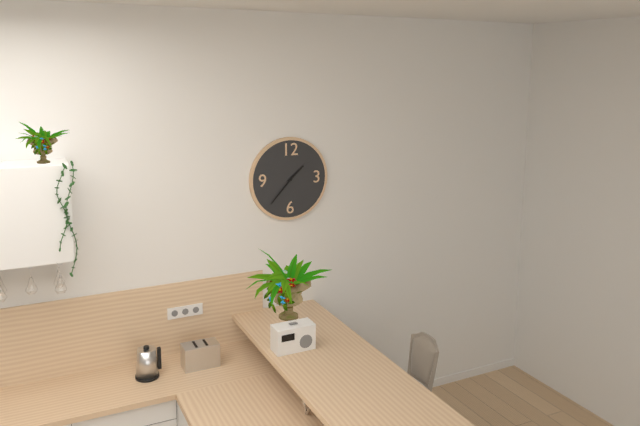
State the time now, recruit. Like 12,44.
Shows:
1,37
